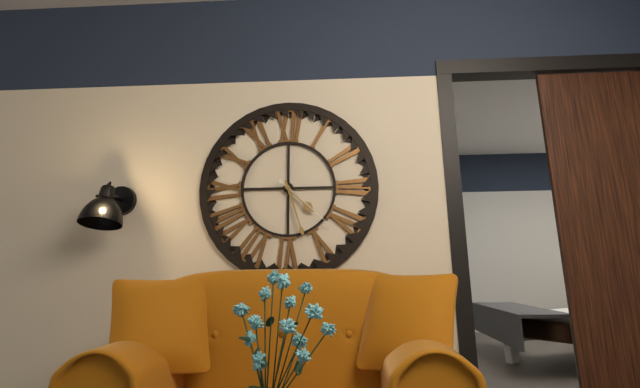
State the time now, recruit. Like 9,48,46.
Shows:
4,27,22
